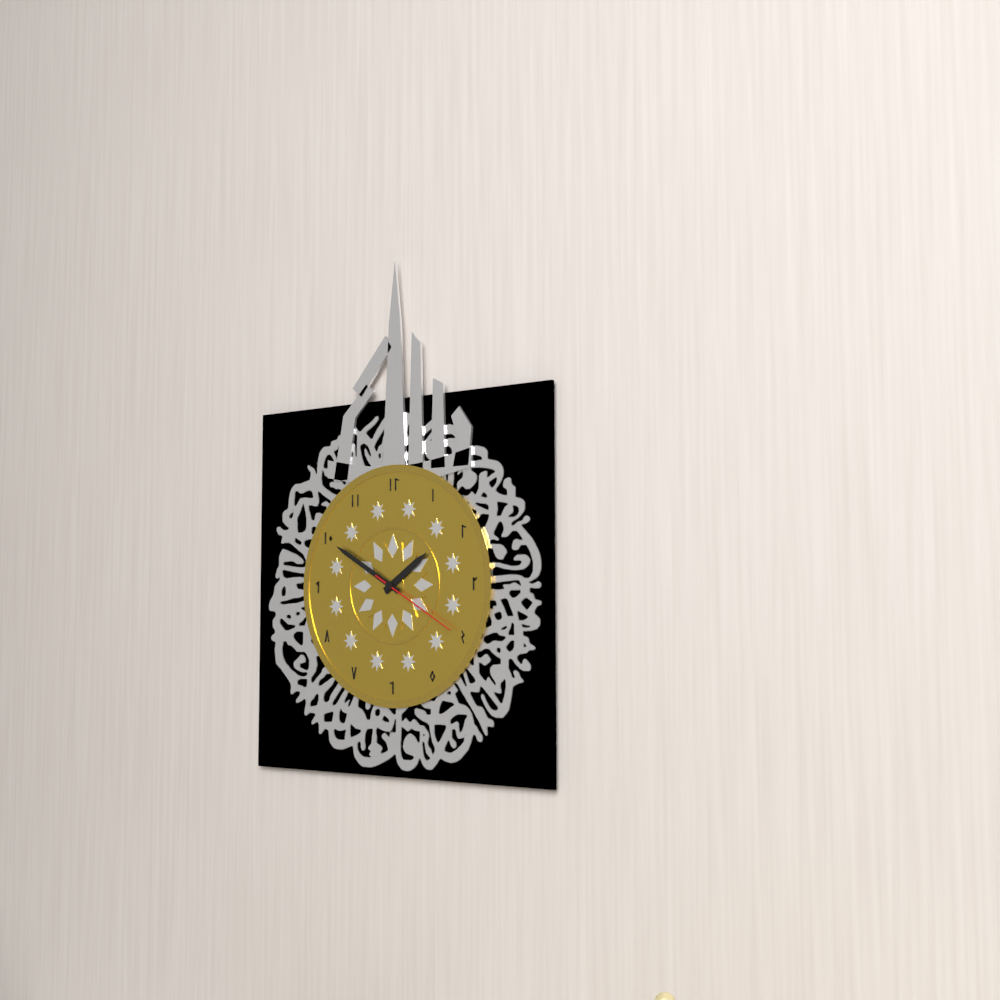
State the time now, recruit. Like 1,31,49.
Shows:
1,50,20
